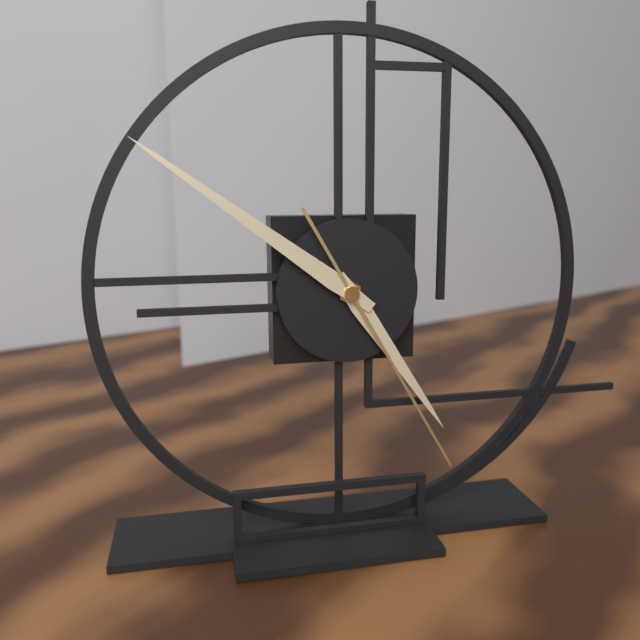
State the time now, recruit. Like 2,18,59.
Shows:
4,51,25
